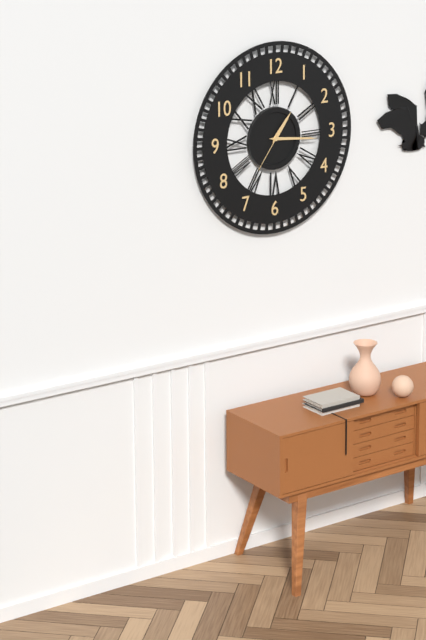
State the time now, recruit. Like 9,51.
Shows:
1,16
